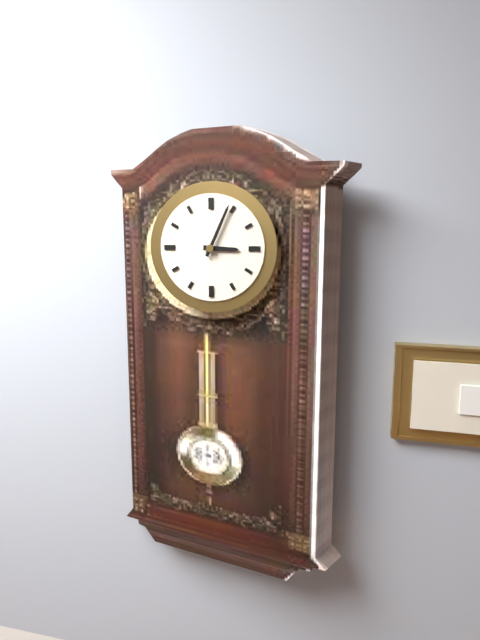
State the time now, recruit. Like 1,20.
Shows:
3,04
